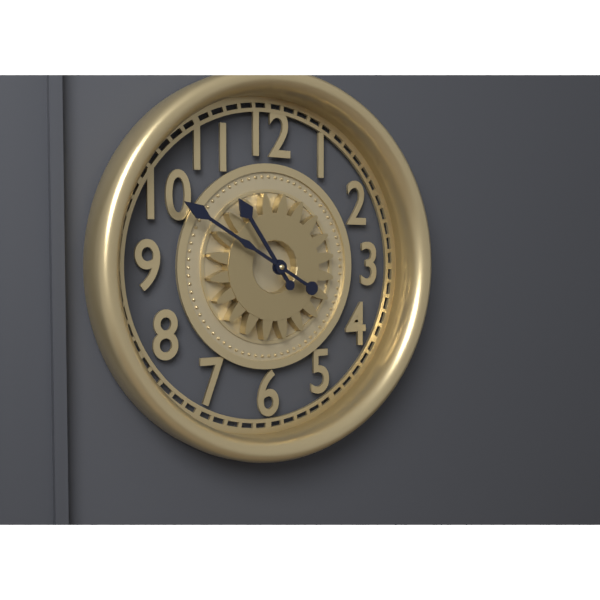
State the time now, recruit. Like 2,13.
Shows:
10,50
